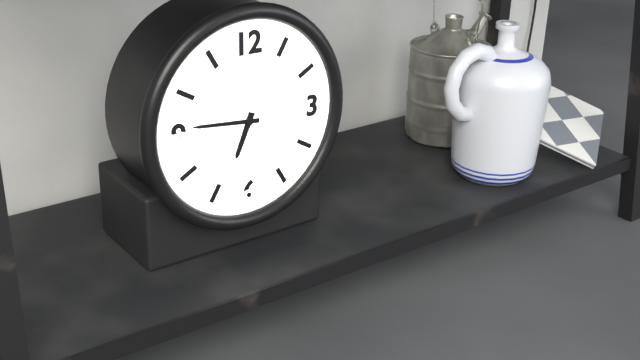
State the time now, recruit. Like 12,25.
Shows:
6,46
